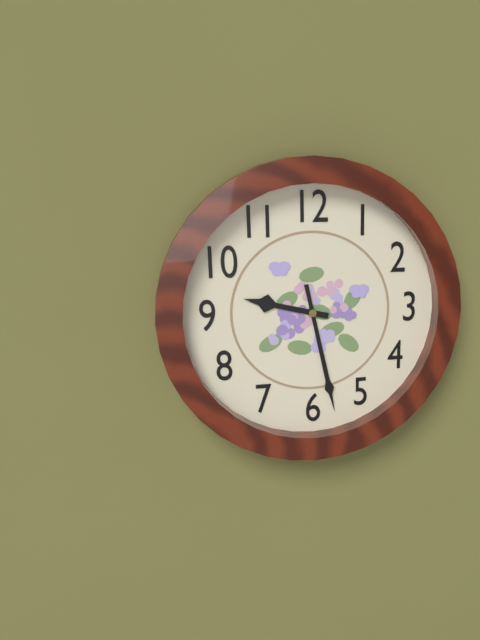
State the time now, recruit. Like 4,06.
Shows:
9,28
